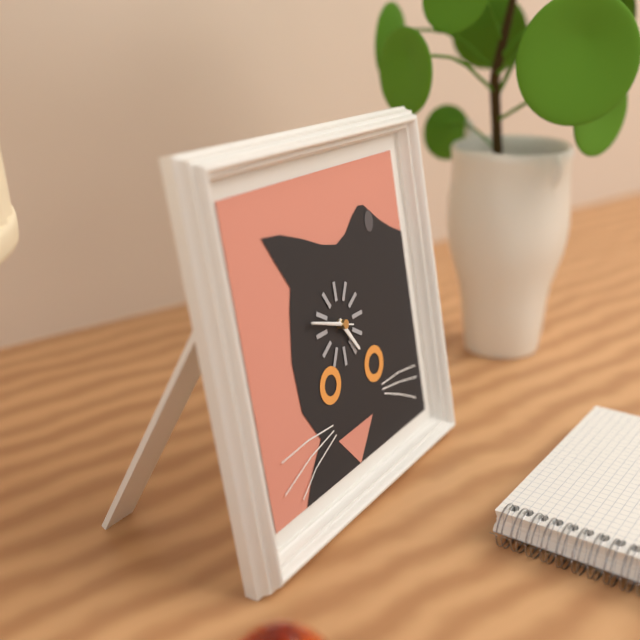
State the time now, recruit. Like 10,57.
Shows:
4,48
